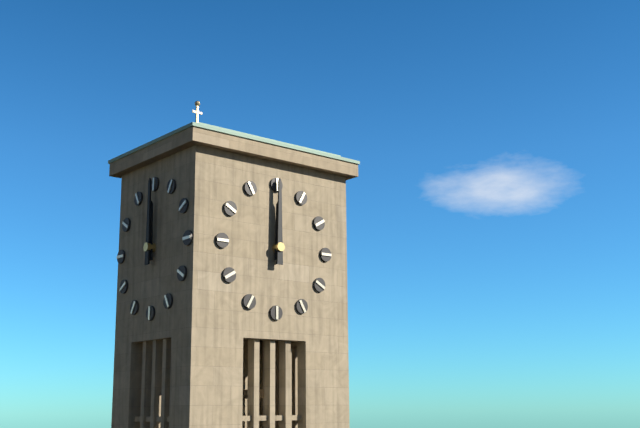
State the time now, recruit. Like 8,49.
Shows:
12,00
